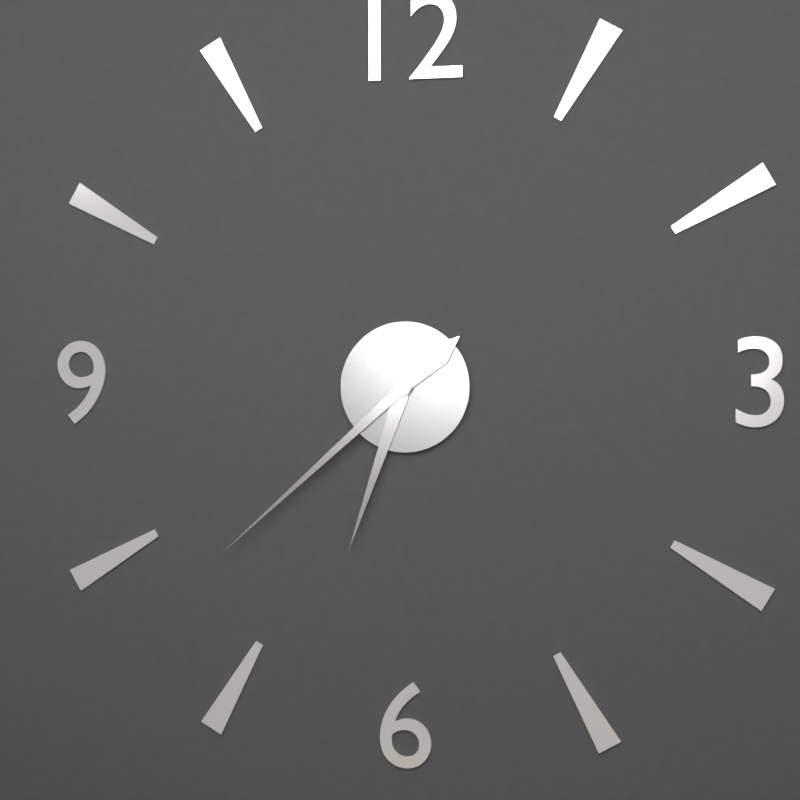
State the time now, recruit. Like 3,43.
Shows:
6,38
